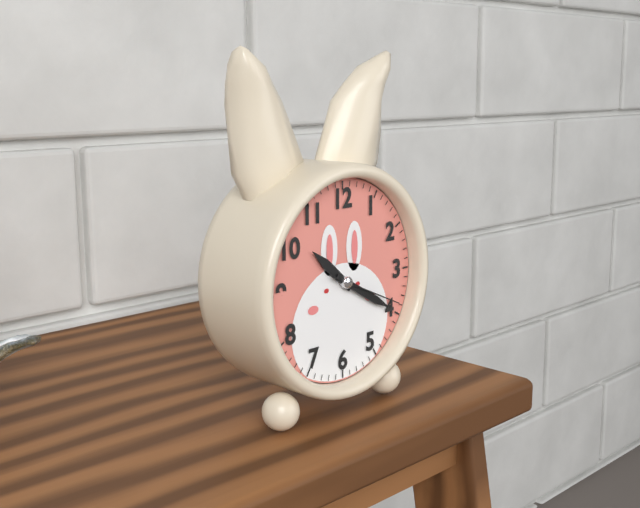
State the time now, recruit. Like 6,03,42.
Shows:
10,20,19
